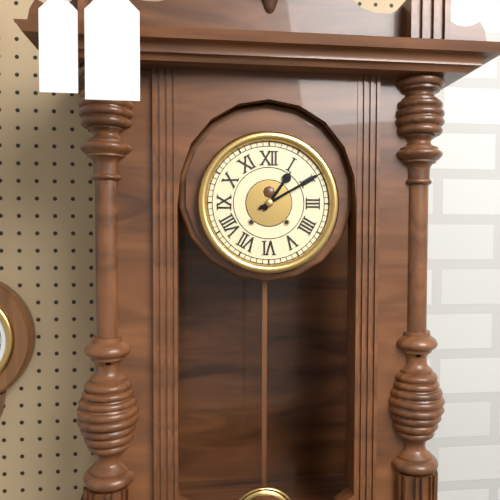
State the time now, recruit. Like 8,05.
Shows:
1,10
